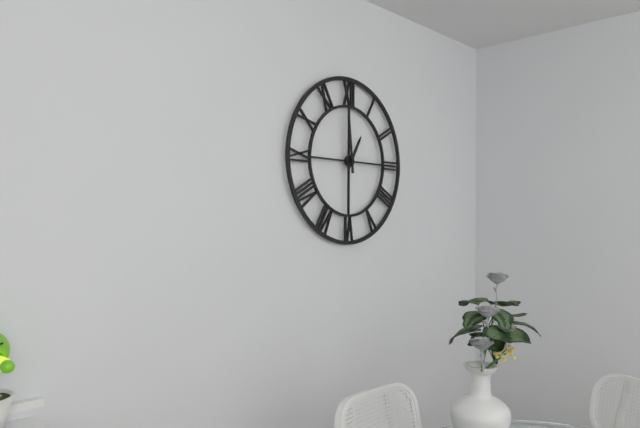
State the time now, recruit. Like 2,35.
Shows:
12,59
